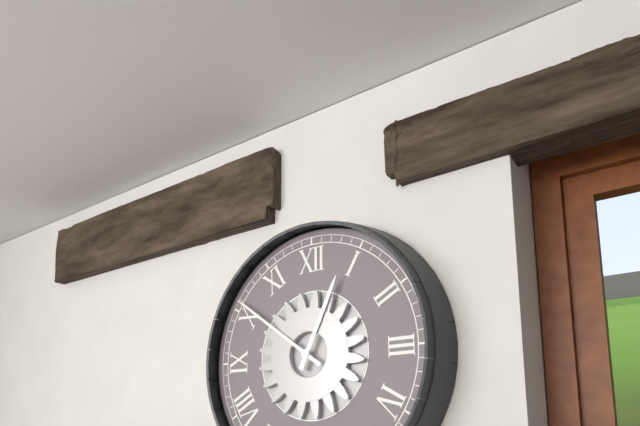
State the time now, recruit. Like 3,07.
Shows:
12,51
